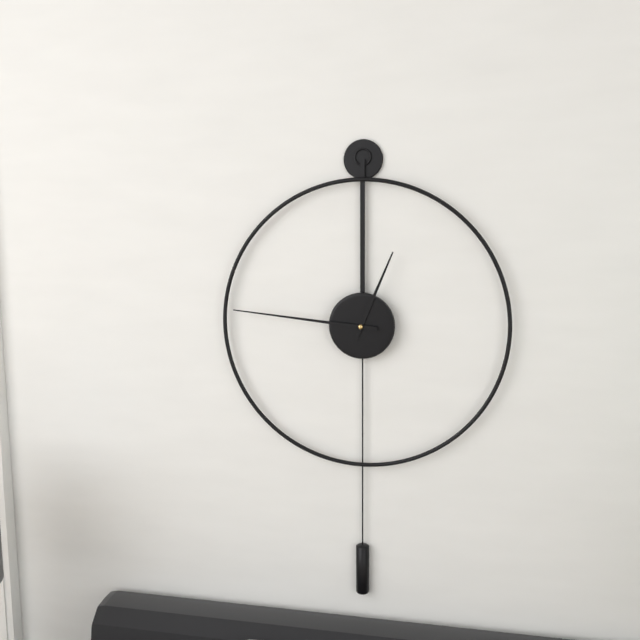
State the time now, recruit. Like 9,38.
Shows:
12,46
